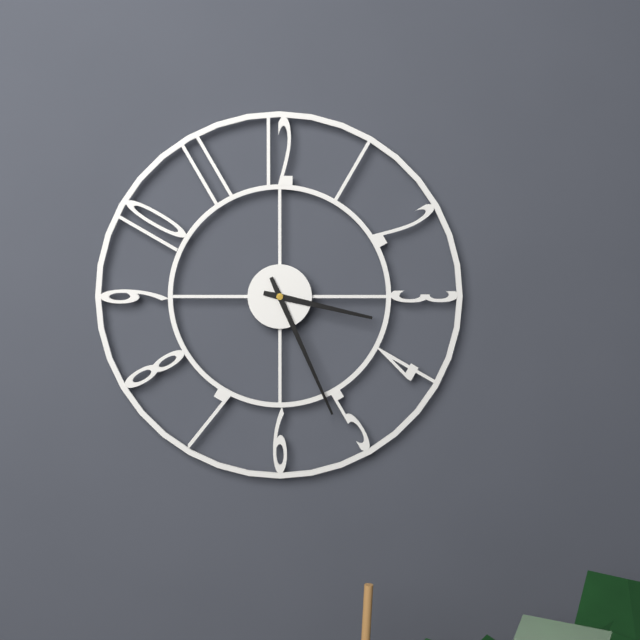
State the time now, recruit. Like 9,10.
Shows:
3,26
